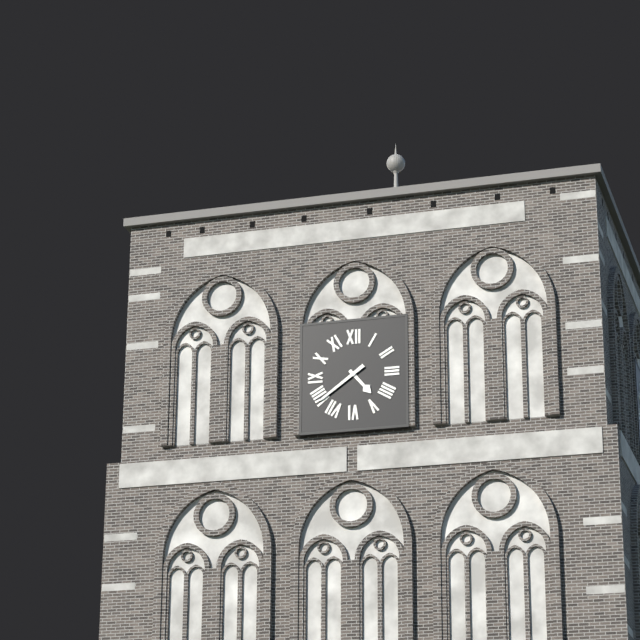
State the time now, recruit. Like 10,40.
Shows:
4,39
